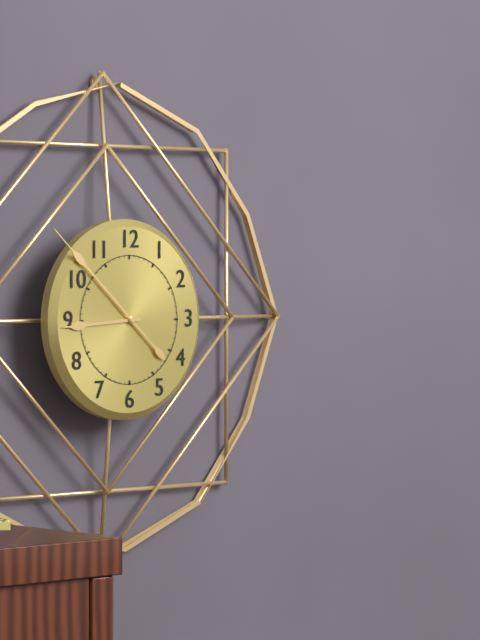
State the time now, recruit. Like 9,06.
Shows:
8,52
